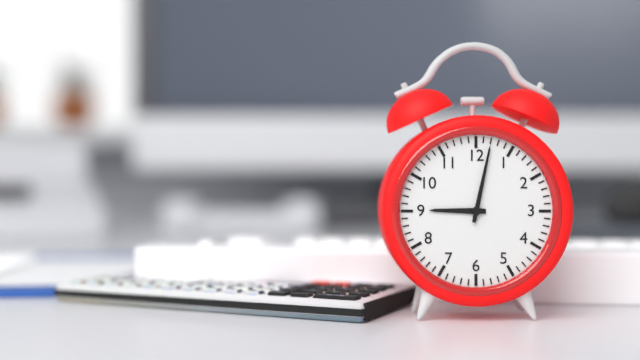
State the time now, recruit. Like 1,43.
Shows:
9,02
